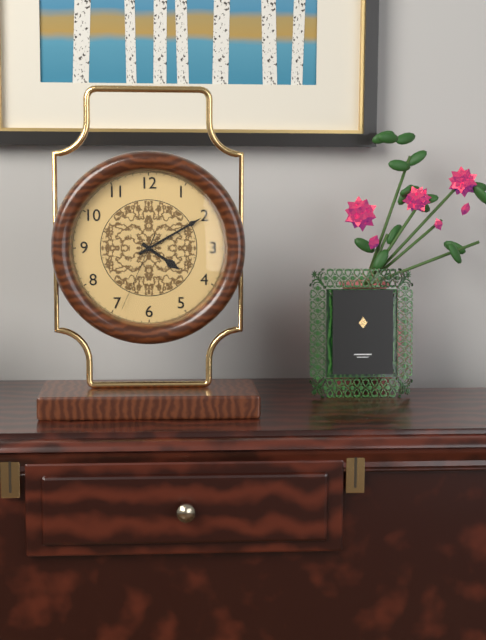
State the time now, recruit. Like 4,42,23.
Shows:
4,10,34
